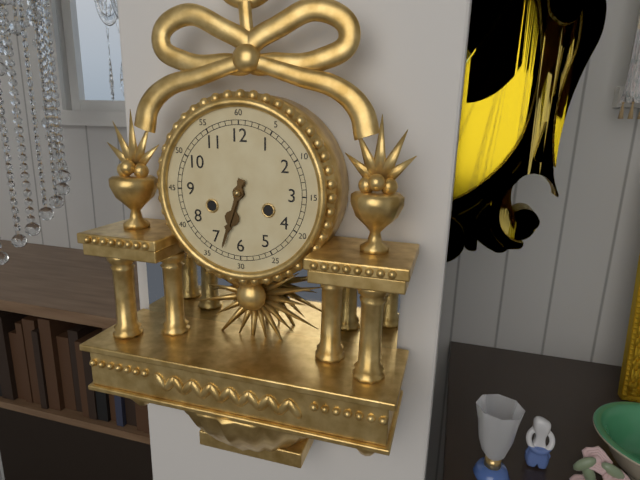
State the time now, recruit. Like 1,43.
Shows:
6,33
